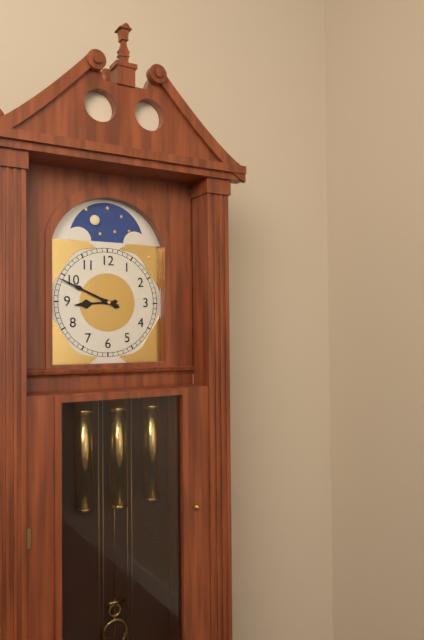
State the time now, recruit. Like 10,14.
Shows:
8,49
